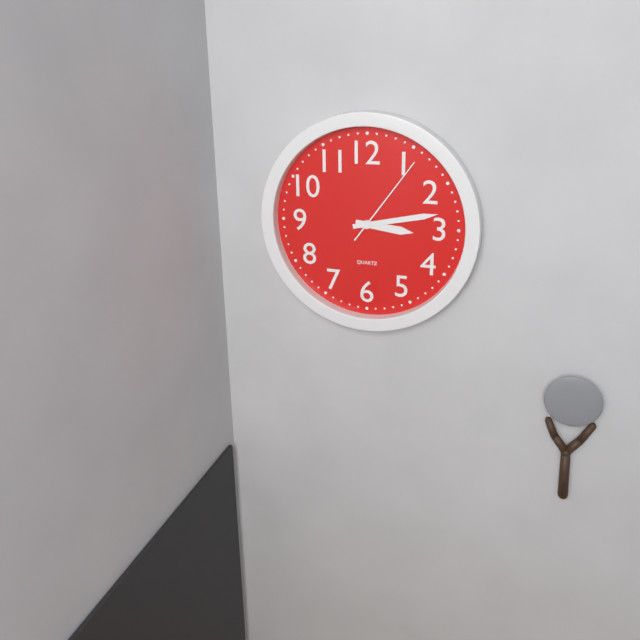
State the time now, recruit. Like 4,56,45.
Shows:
3,13,06
